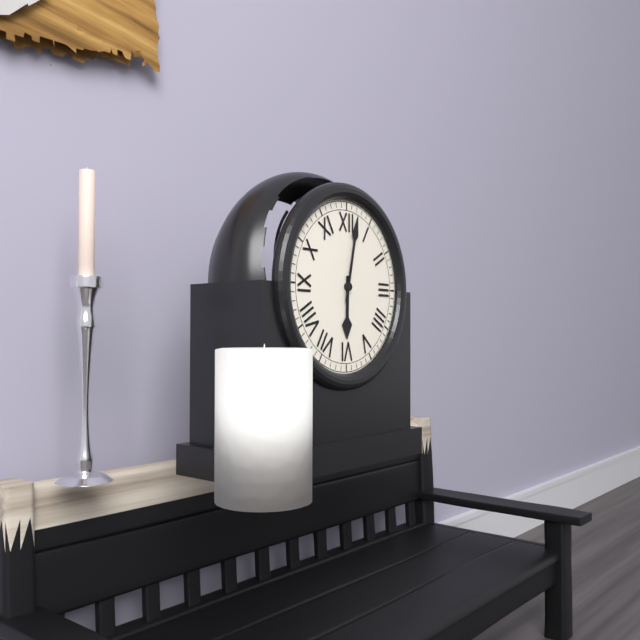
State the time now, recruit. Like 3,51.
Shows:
6,02
